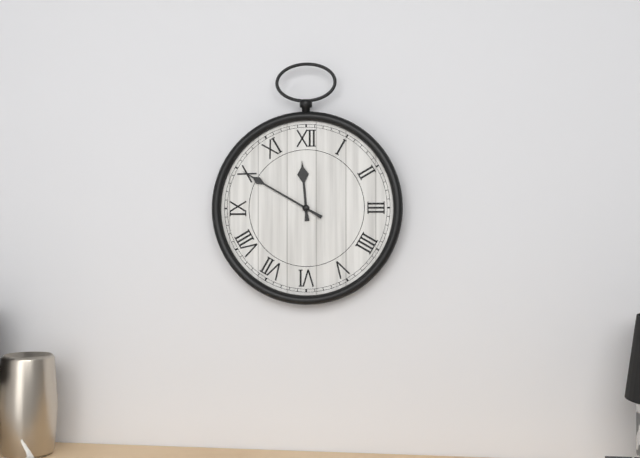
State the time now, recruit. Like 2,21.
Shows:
11,50
